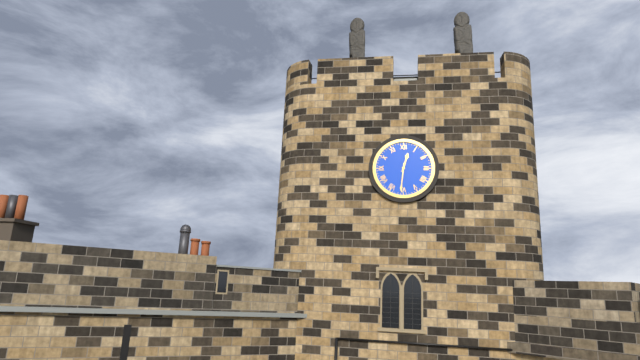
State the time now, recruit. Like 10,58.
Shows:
12,31
